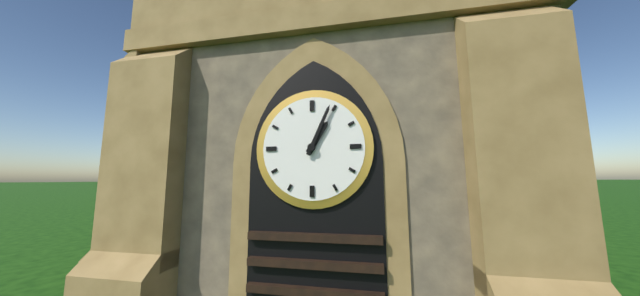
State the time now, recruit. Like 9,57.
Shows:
1,04
